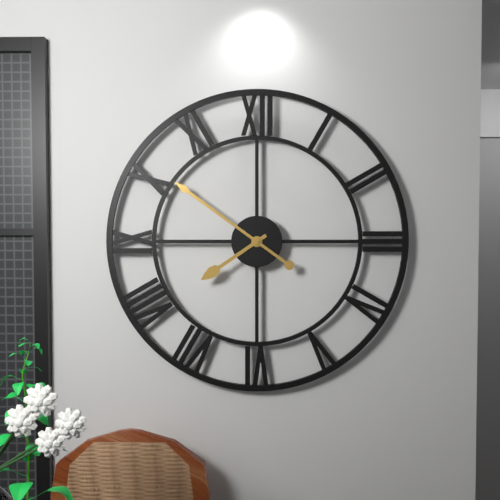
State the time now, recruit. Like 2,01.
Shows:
7,51
